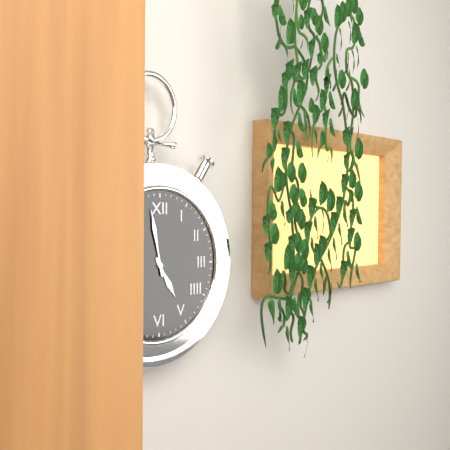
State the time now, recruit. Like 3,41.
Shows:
4,58
